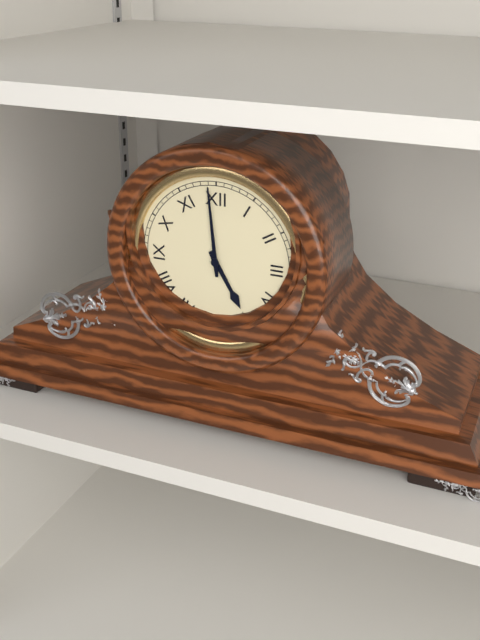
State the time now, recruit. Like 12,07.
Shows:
4,59
